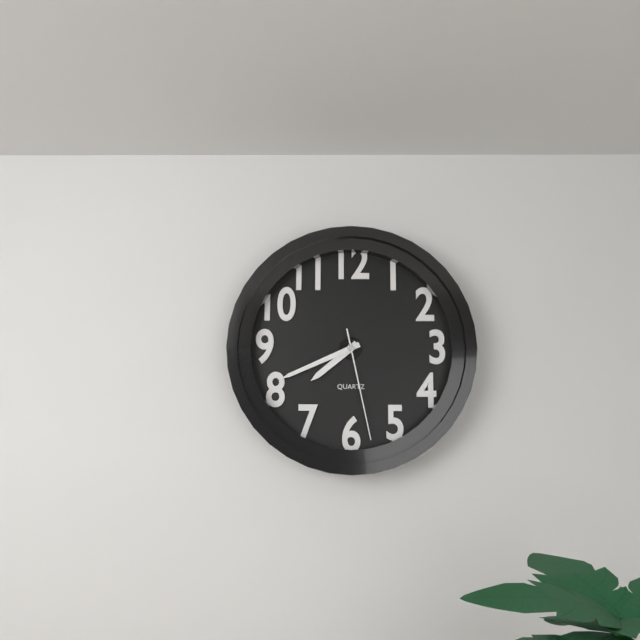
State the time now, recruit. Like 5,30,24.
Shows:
7,41,28
